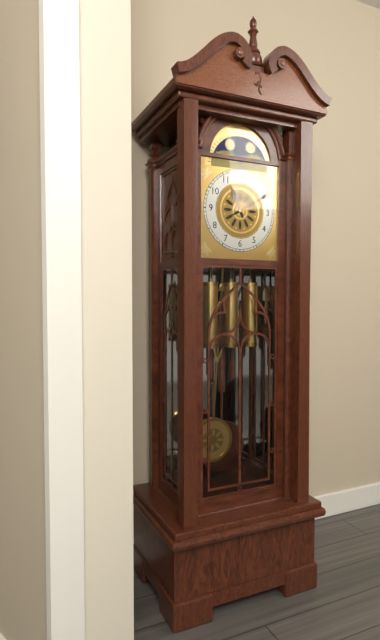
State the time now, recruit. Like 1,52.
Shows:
11,10
